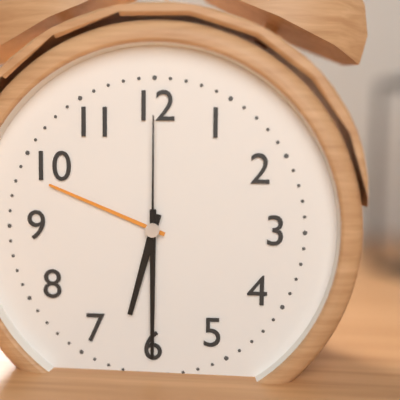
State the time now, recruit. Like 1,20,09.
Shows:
6,30,00
